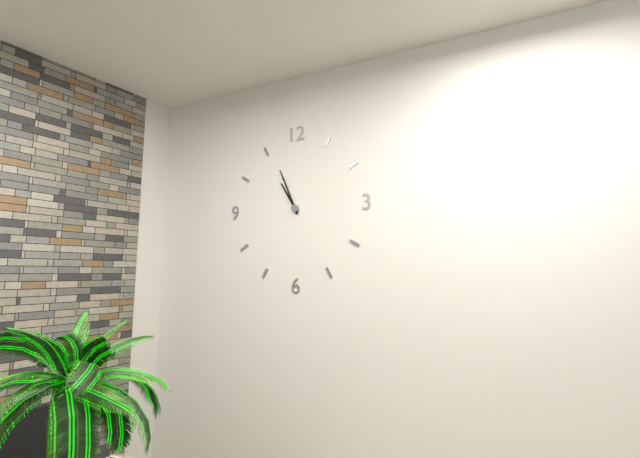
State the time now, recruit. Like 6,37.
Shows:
10,56
